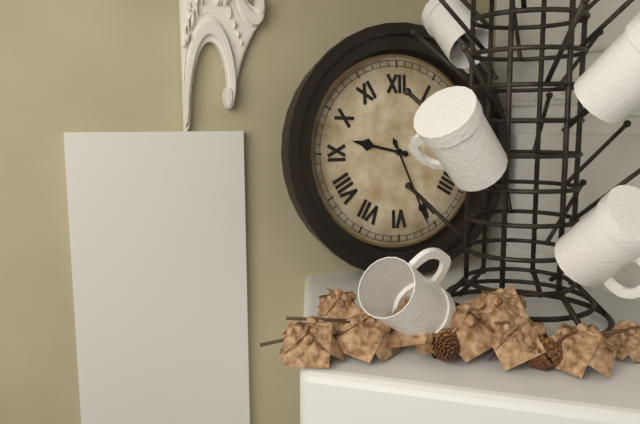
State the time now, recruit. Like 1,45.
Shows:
9,26
